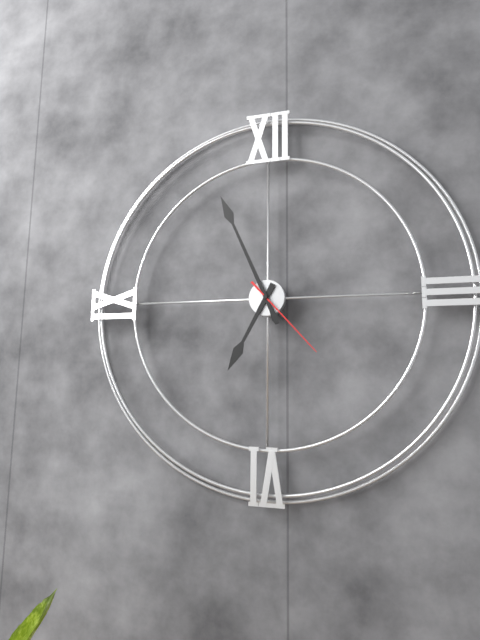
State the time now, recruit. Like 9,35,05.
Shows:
6,56,23
